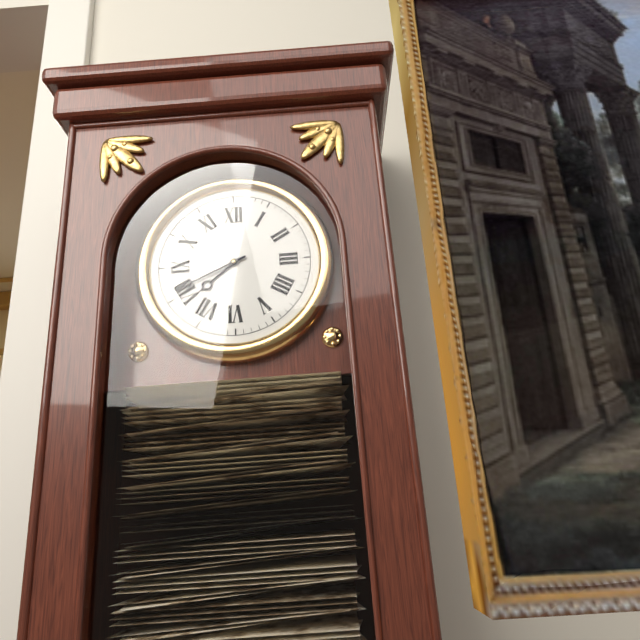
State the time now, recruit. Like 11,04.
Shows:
7,41
